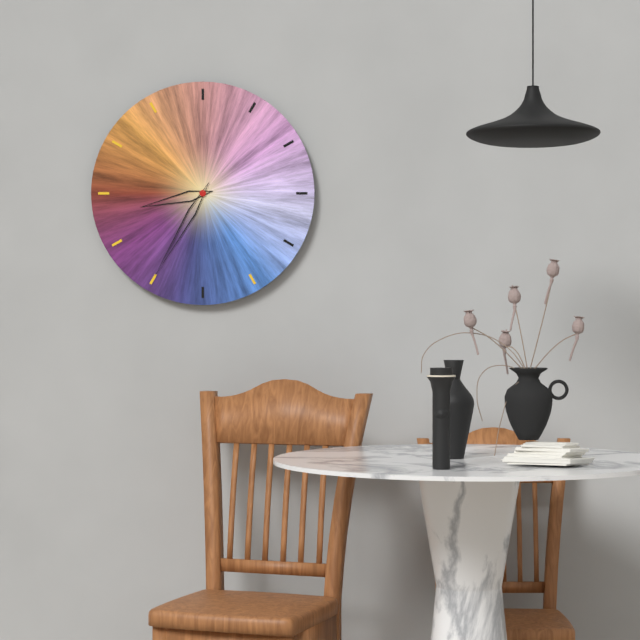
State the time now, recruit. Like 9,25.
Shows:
8,35
